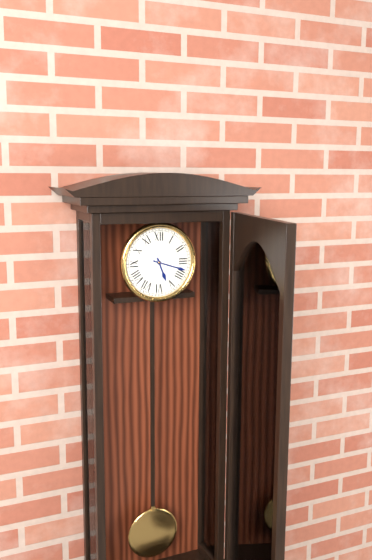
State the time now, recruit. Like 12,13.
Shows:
5,18
